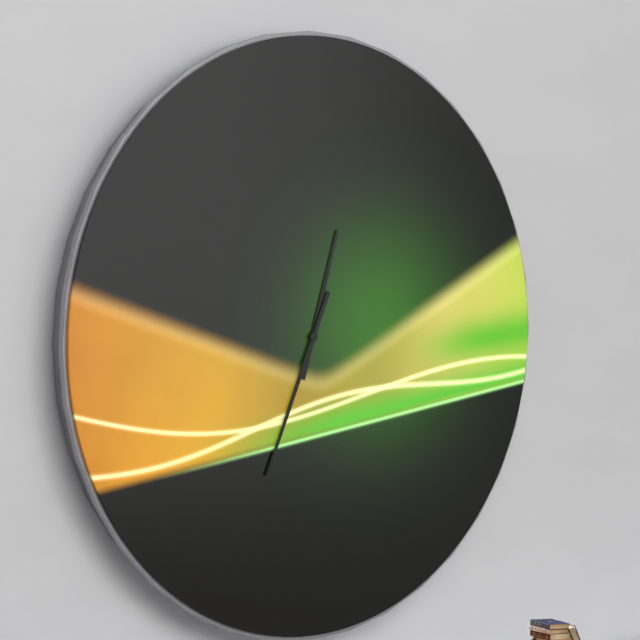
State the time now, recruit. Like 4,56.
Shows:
12,34
